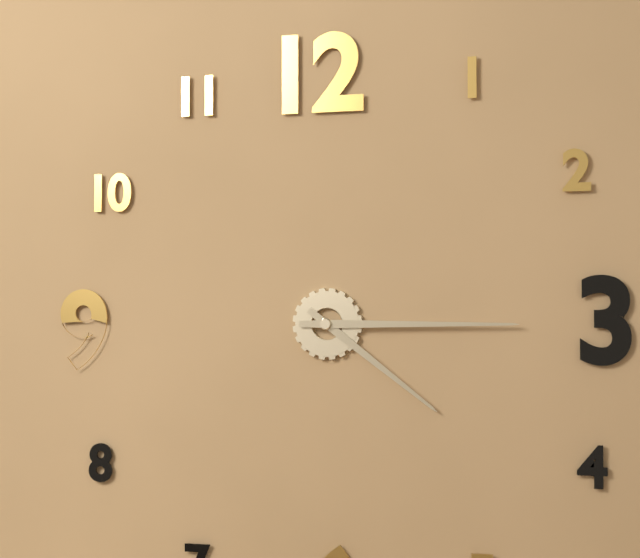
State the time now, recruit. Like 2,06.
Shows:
4,15
